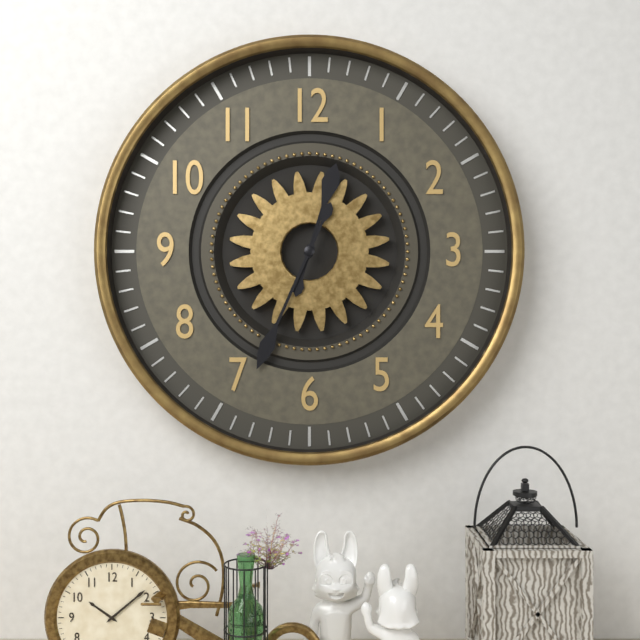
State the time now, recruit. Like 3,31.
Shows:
12,34
